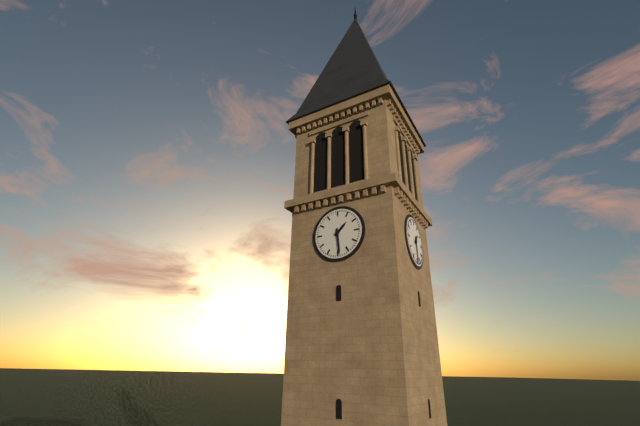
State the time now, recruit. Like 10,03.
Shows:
1,29
